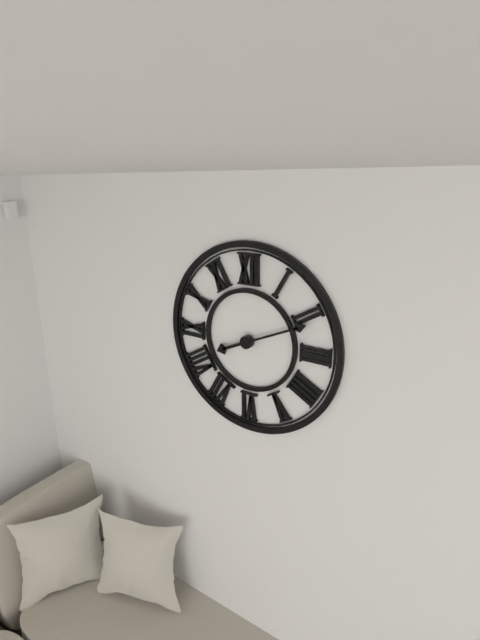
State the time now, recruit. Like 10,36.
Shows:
8,11
